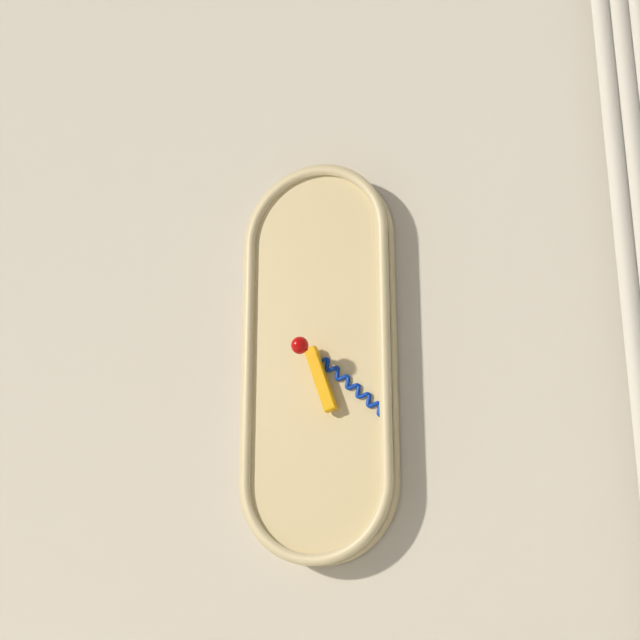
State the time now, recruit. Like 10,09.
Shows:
5,22
